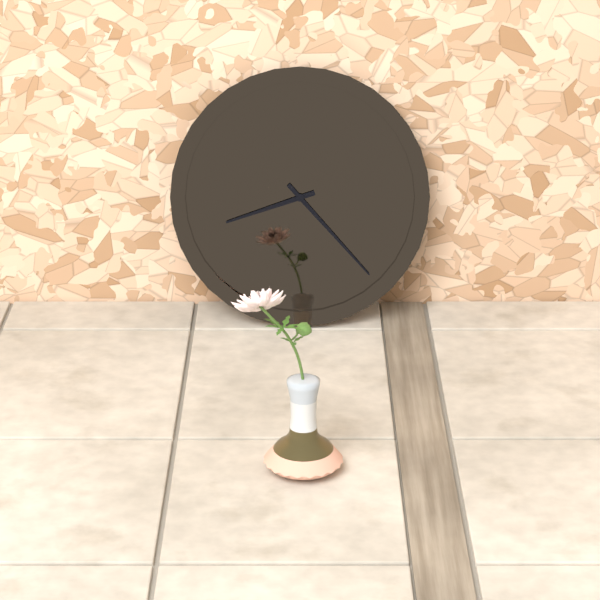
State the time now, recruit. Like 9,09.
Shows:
8,23
